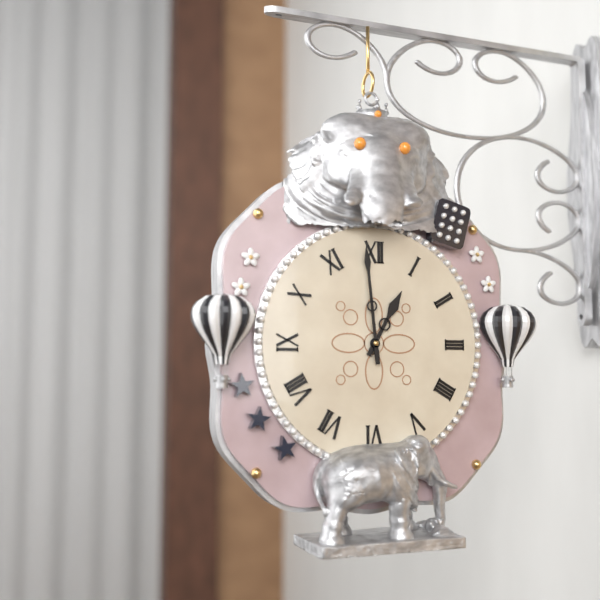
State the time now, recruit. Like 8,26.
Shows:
12,59
